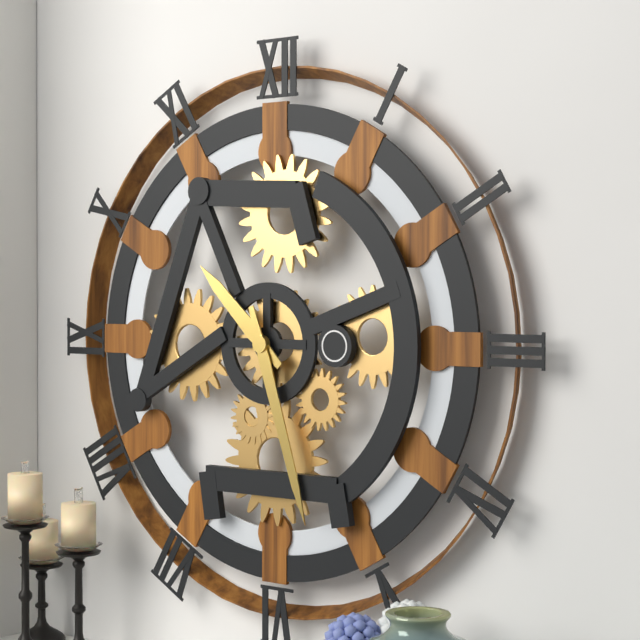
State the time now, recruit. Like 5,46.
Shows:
10,27
